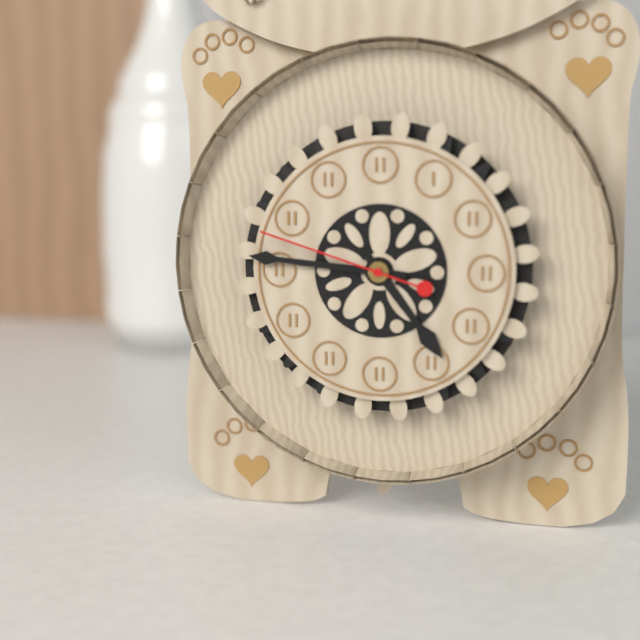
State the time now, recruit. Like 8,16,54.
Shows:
4,46,48
